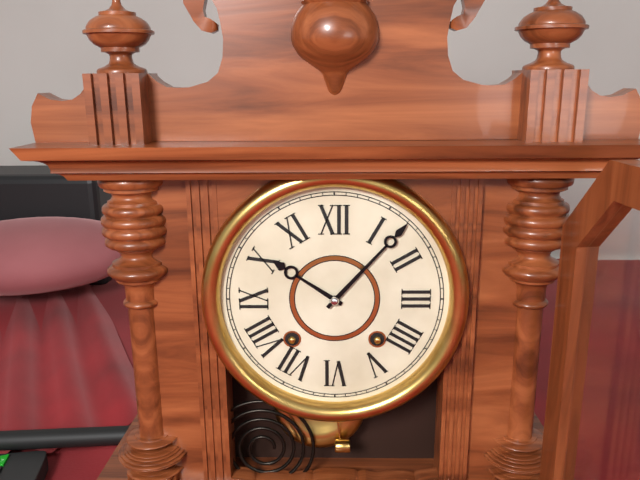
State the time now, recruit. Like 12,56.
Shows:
10,07
